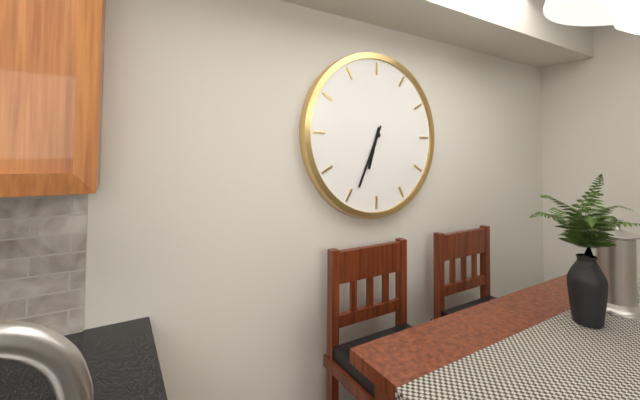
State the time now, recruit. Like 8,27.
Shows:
6,34
